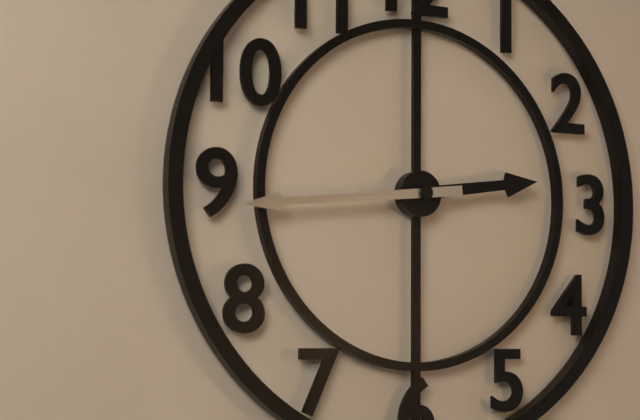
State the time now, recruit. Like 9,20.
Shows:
2,44
